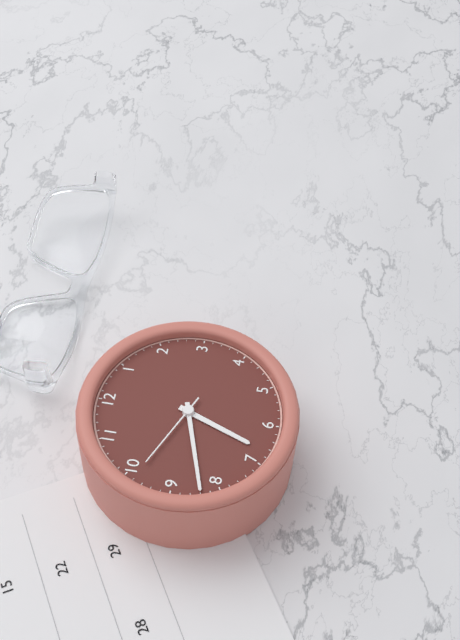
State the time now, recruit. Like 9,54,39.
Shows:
6,42,49
